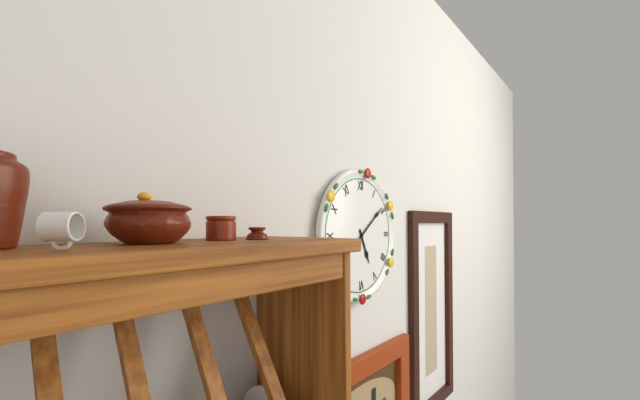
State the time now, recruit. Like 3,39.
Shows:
5,09
